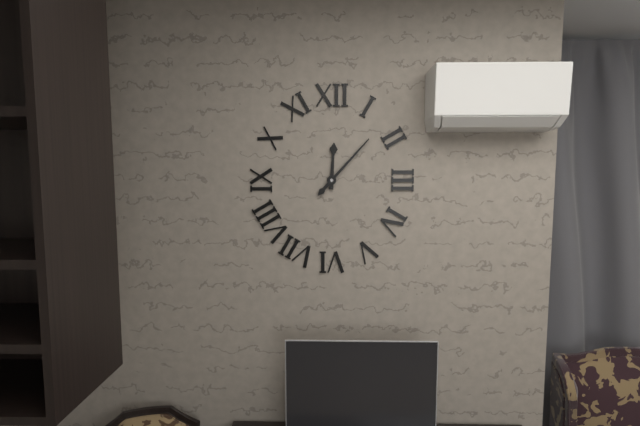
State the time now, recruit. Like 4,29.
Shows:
12,07
